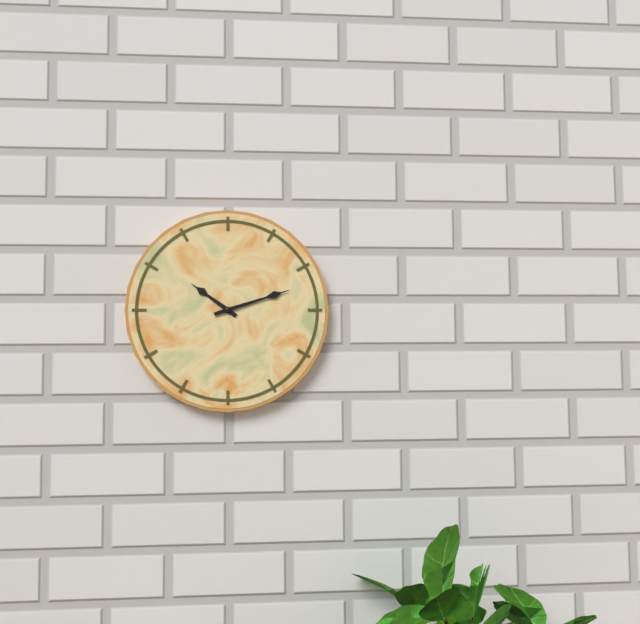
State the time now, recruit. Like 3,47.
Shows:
10,12
